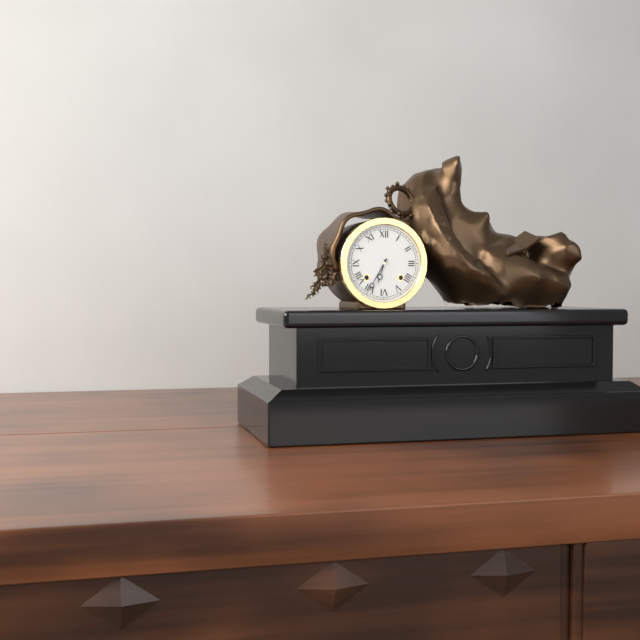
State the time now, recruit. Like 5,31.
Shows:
6,35
